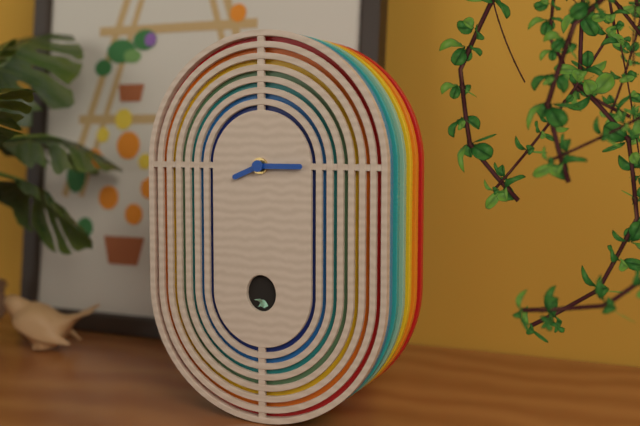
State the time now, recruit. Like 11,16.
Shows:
8,15
